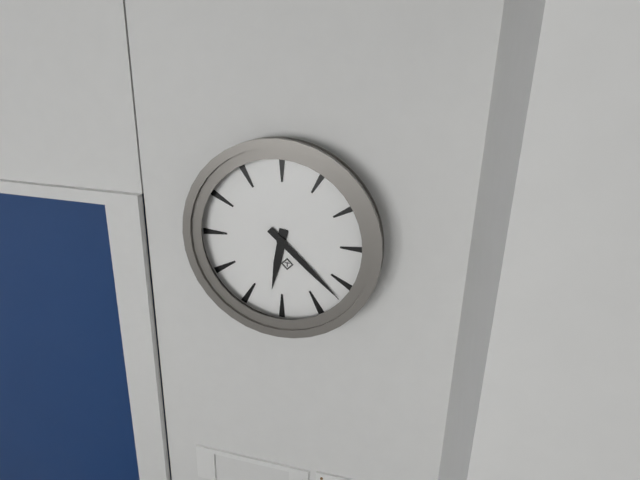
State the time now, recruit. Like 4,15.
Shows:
6,22
